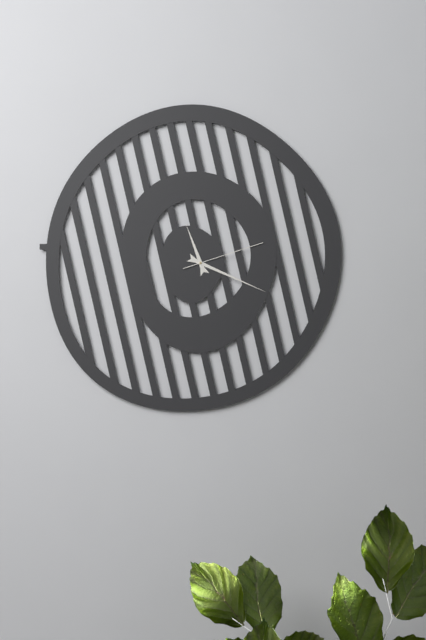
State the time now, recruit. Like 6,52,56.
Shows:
11,19,12
